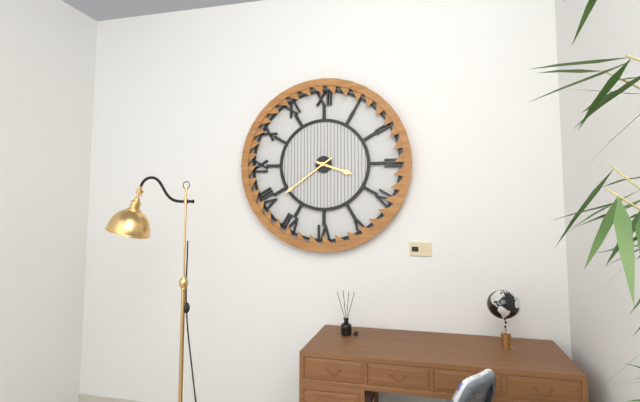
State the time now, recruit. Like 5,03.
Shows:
3,39
